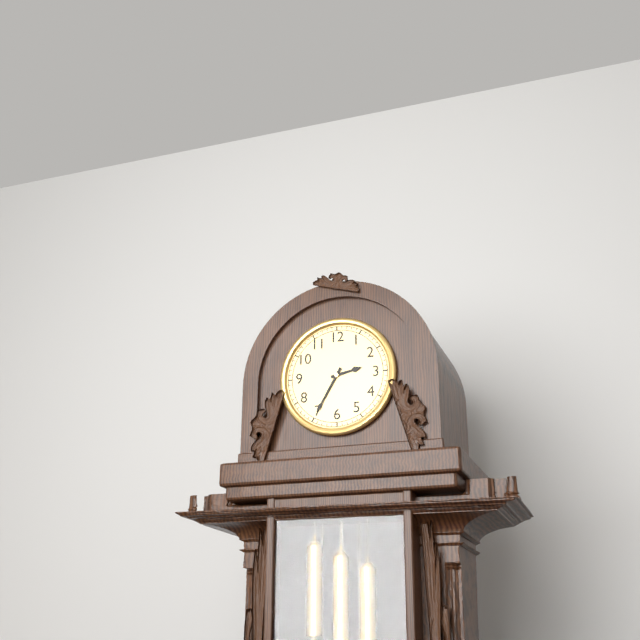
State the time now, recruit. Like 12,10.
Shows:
2,35
